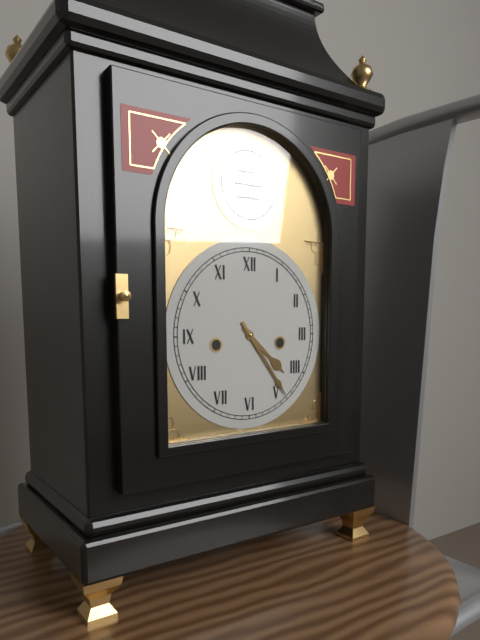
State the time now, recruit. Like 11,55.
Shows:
4,24
